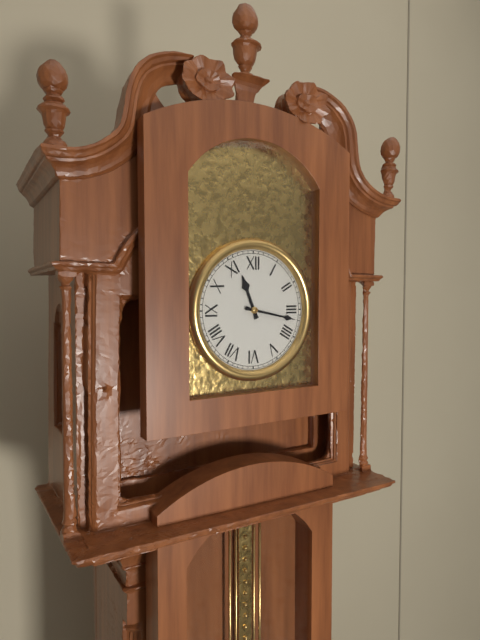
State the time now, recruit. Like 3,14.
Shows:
11,17
